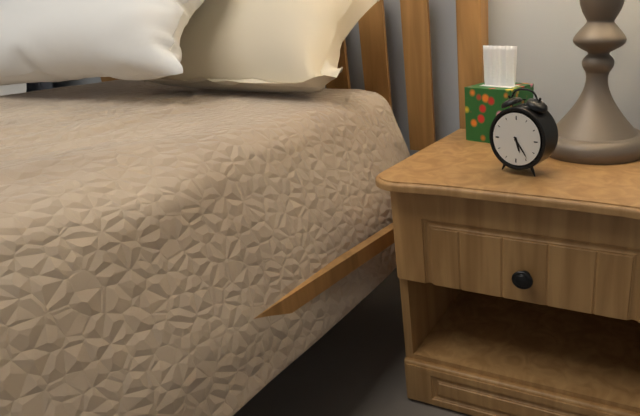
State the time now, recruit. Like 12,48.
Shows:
5,24
